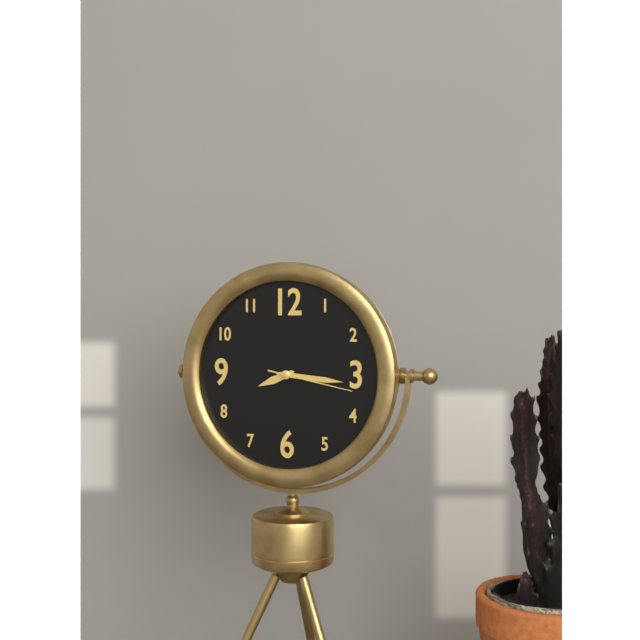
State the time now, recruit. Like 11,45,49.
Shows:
8,16,17
